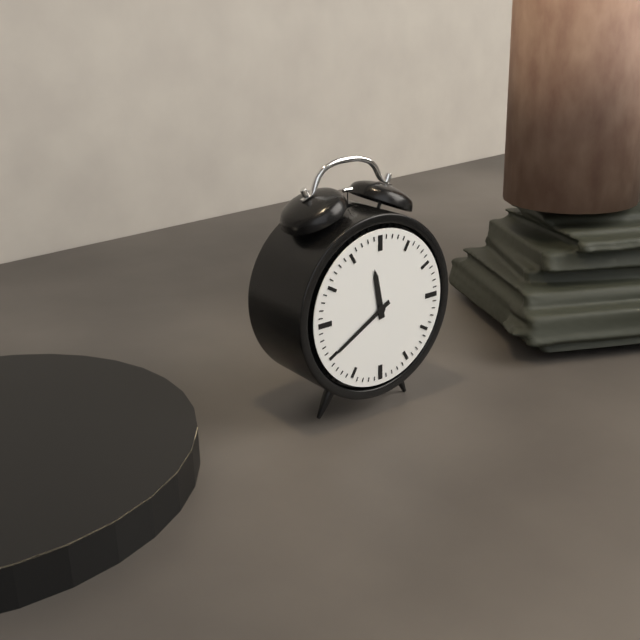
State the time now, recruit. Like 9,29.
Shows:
11,40
